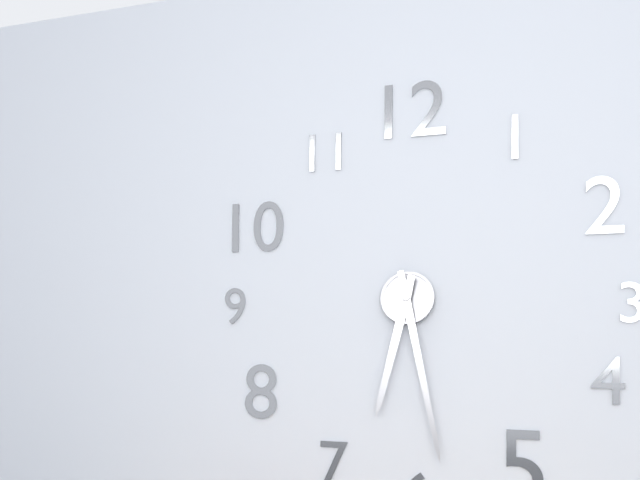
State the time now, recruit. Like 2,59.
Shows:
6,28
